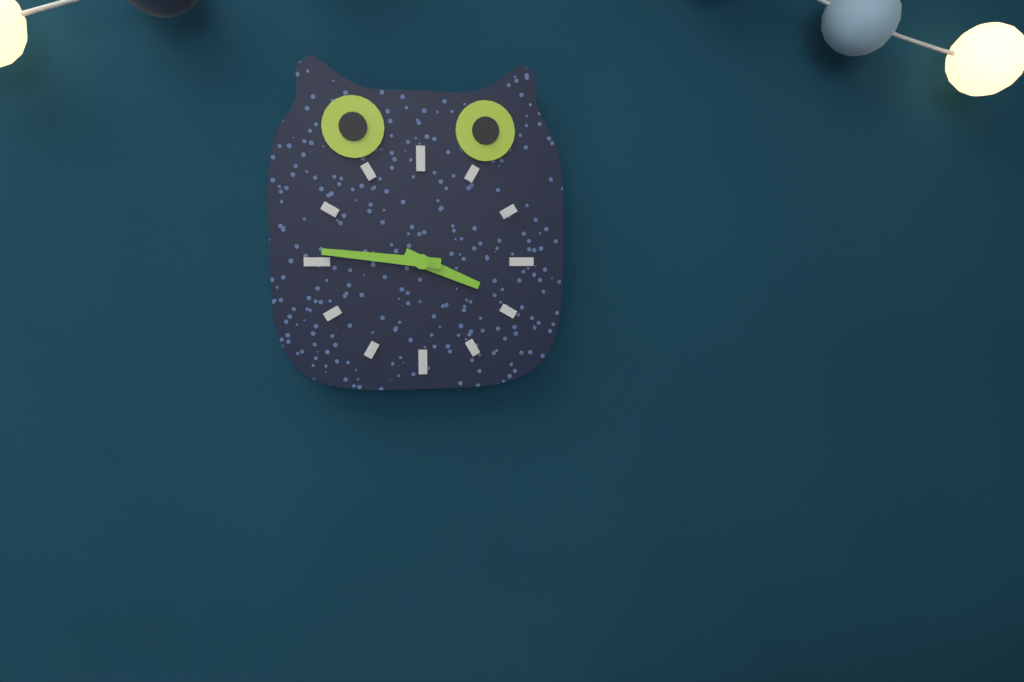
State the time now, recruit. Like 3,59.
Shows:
3,46
